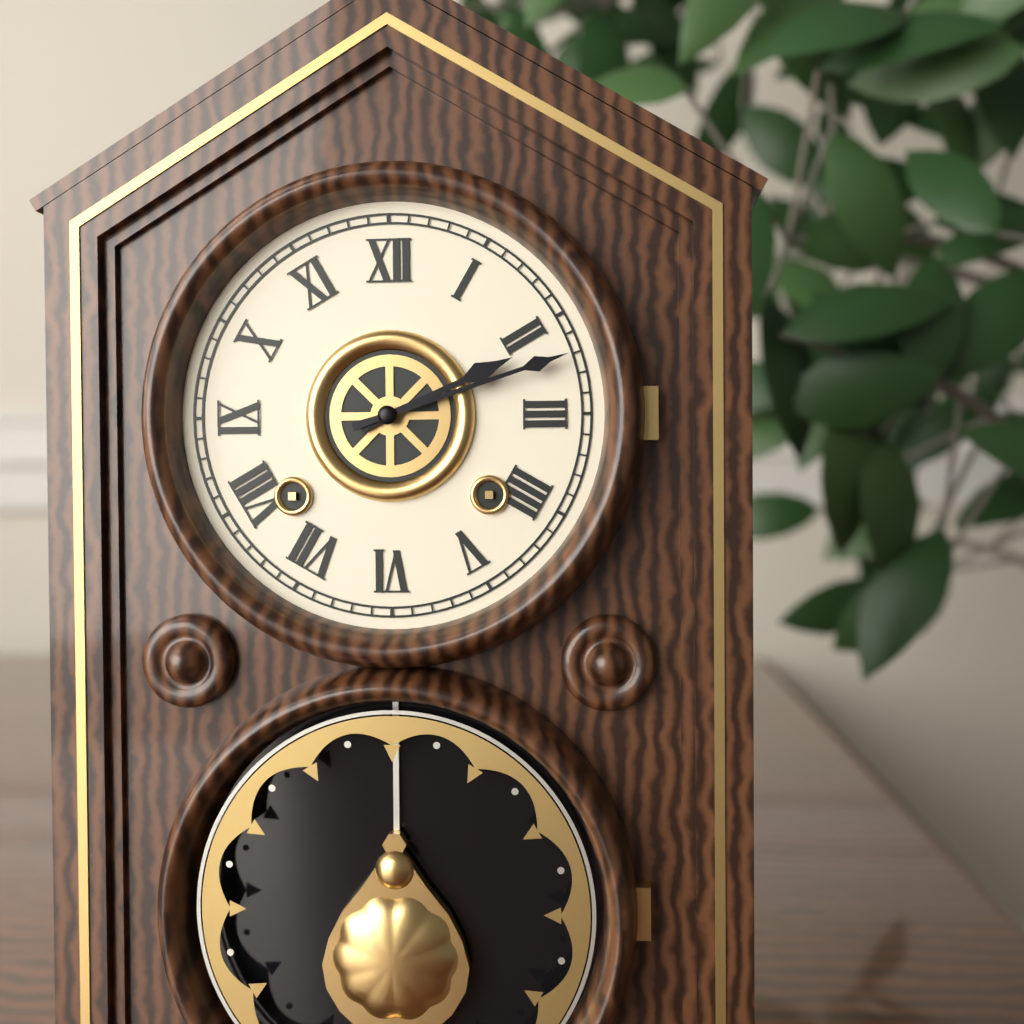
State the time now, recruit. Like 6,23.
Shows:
2,12
